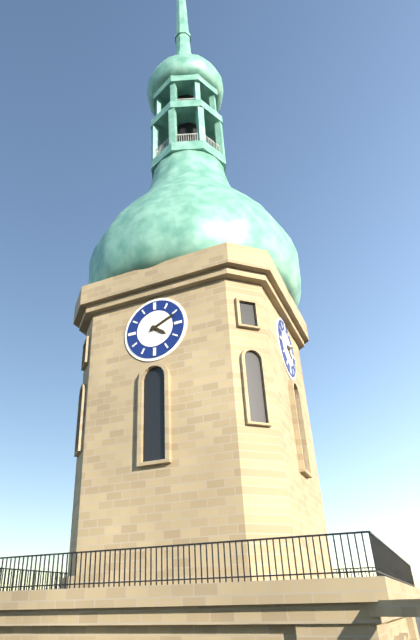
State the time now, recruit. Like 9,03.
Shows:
4,11
